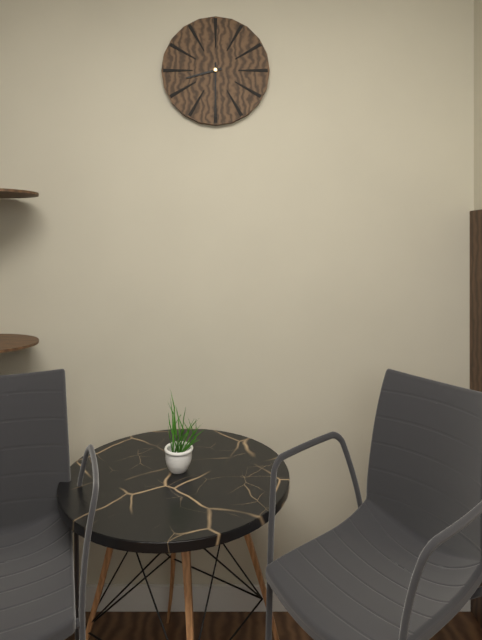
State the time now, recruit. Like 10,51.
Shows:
8,30
